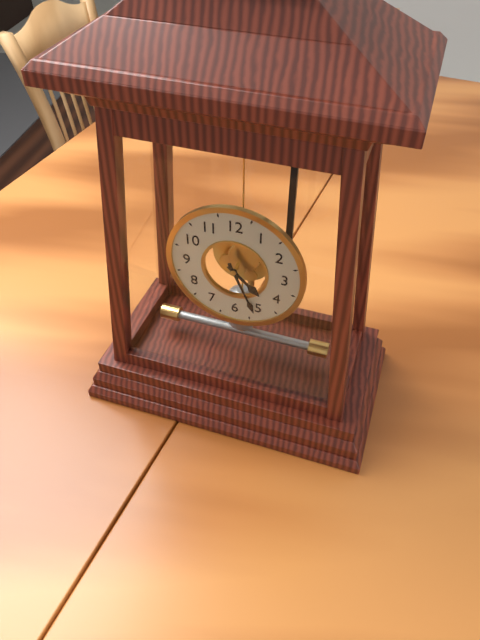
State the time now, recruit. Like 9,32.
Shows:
4,26
